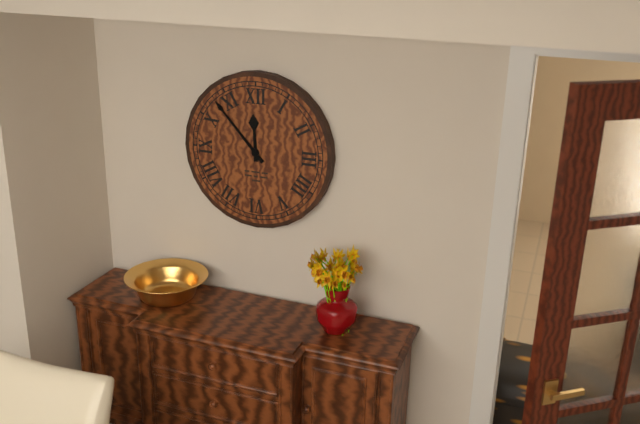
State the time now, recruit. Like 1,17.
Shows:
11,53
